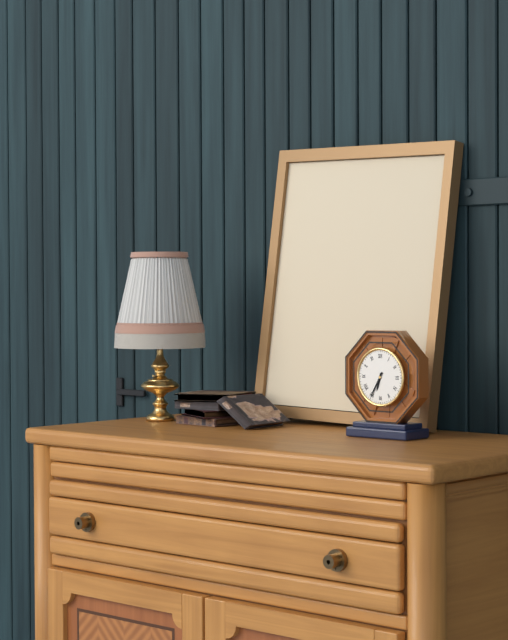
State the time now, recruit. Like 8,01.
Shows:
6,35
